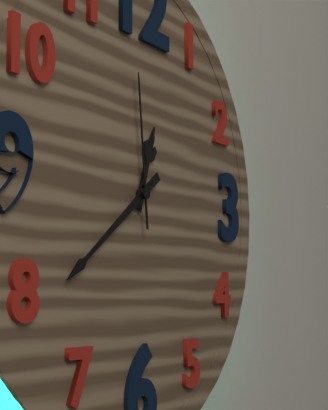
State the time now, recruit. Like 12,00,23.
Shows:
12,39,59
